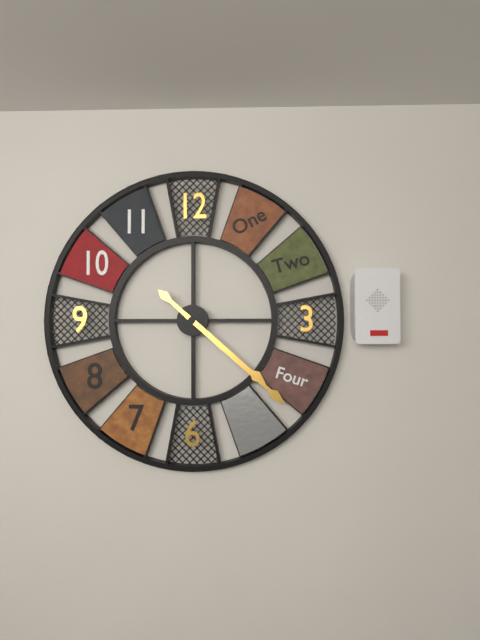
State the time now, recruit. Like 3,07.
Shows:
4,22
